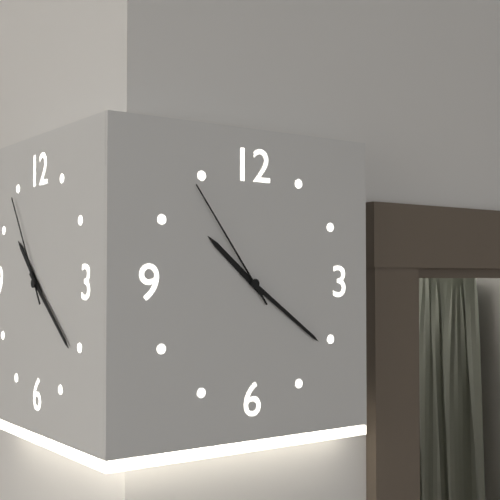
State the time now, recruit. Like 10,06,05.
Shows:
10,21,54
